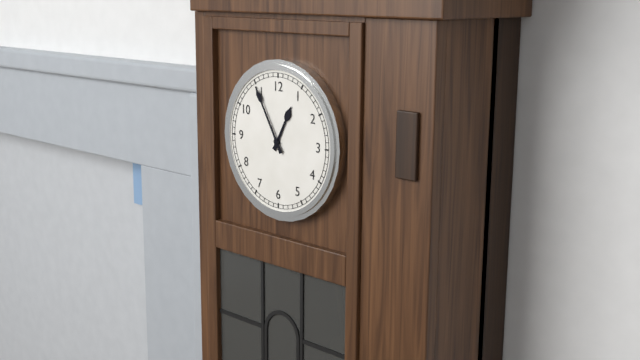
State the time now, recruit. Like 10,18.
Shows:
12,55
